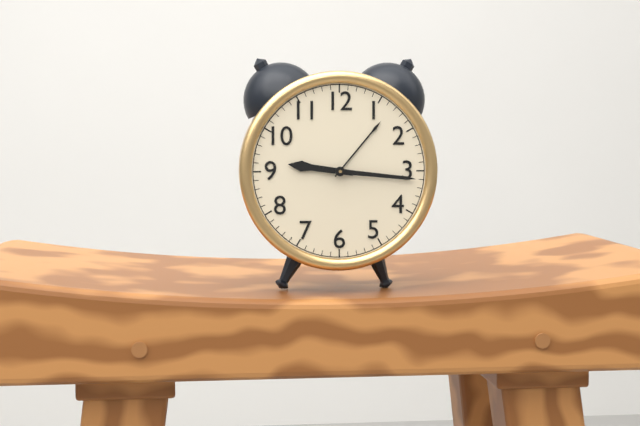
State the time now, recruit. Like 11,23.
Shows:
9,16
